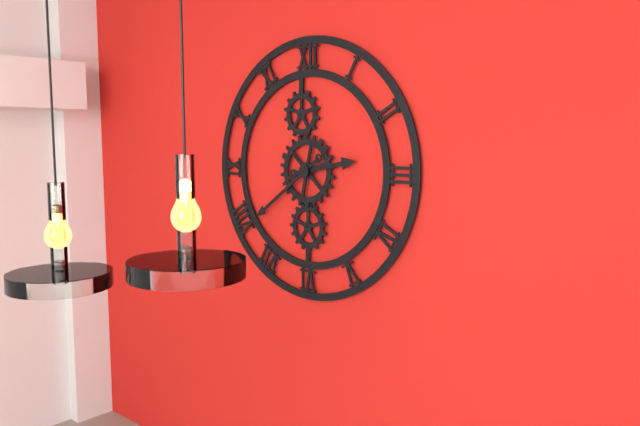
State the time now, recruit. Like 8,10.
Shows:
2,39
